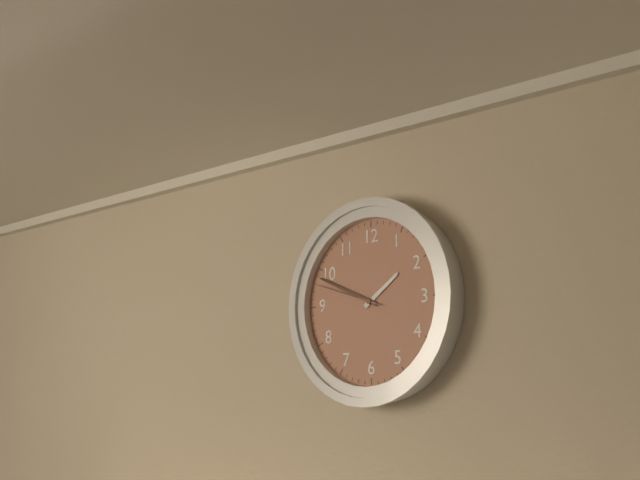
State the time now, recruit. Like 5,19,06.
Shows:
1,49,48
